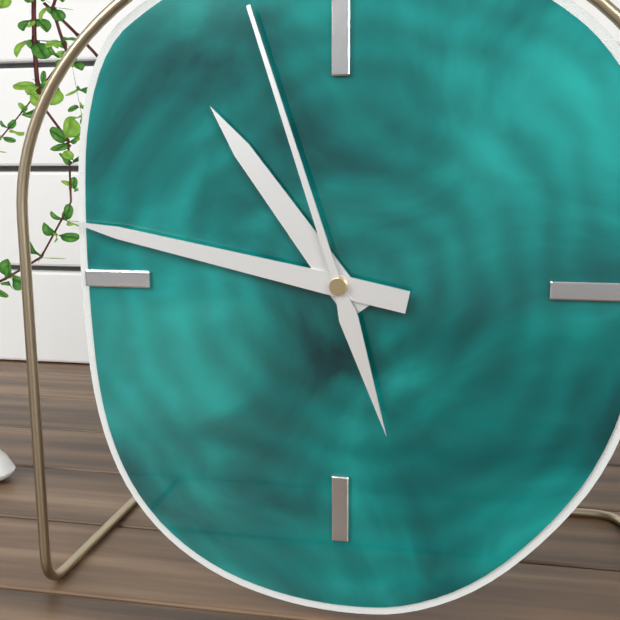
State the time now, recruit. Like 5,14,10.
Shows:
10,47,57
